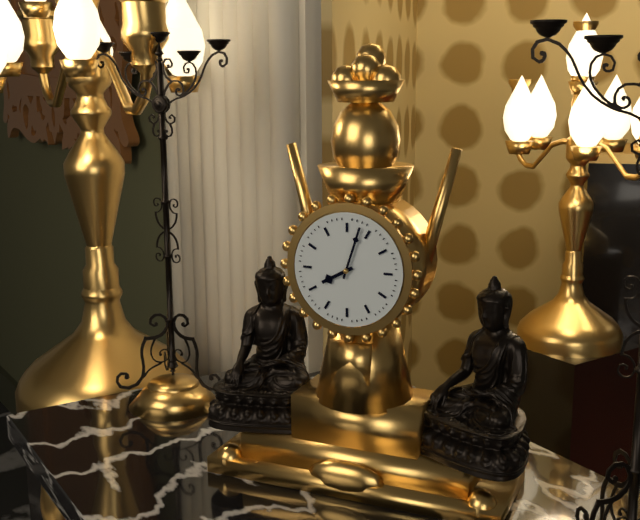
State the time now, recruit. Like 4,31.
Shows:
8,03
